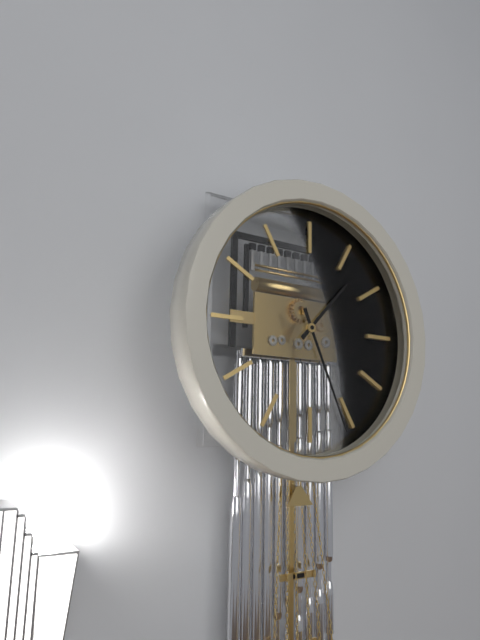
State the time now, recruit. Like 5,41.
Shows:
1,26
